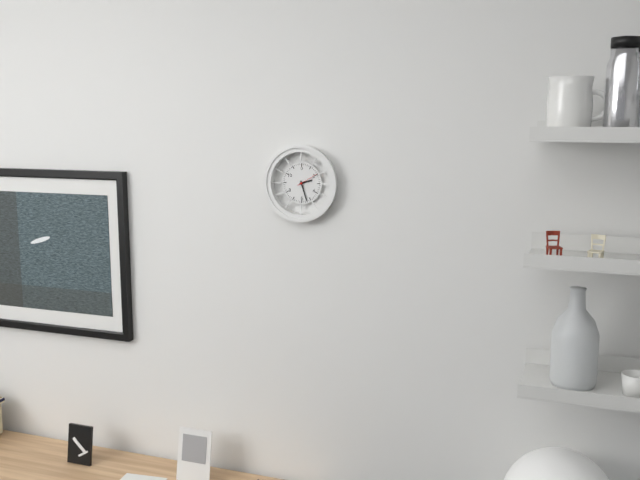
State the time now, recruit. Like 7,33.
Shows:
2,27
